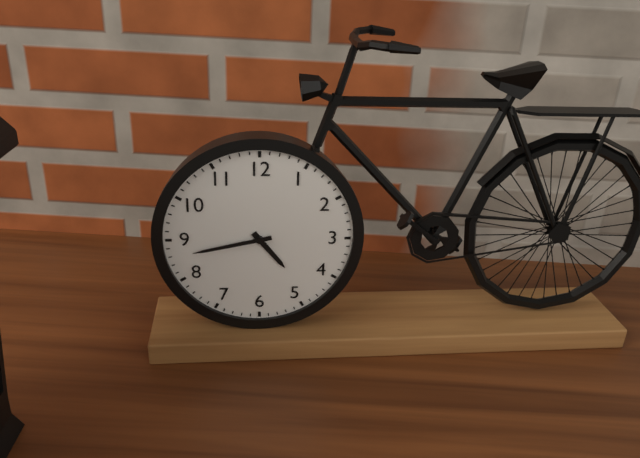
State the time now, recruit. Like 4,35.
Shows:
4,43
